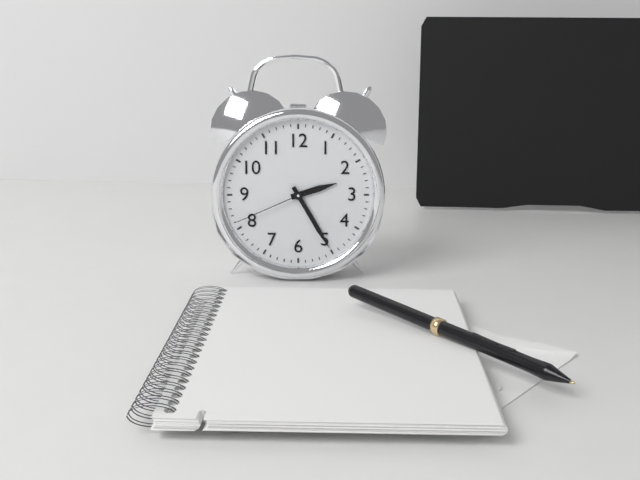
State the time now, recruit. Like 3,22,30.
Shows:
2,25,41
